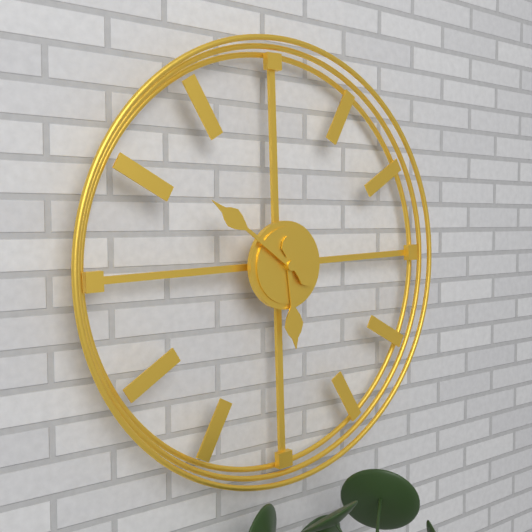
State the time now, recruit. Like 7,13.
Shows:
5,51
